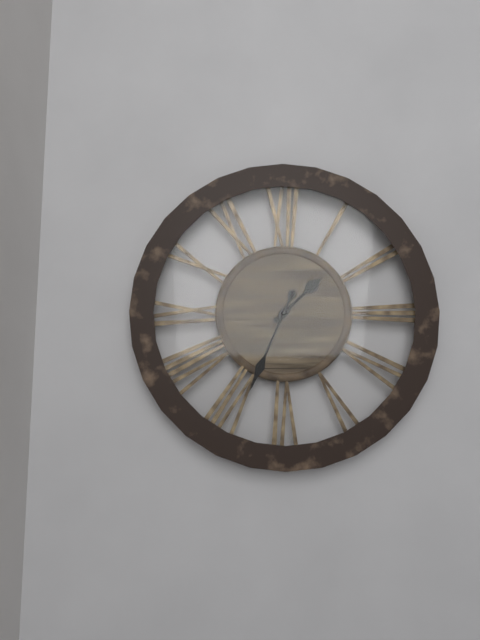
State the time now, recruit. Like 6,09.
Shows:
1,34
